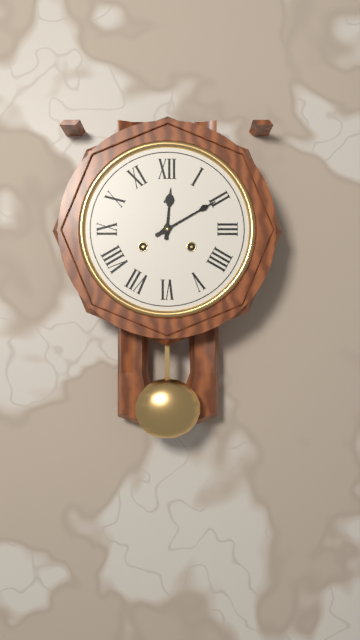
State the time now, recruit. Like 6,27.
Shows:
12,10
